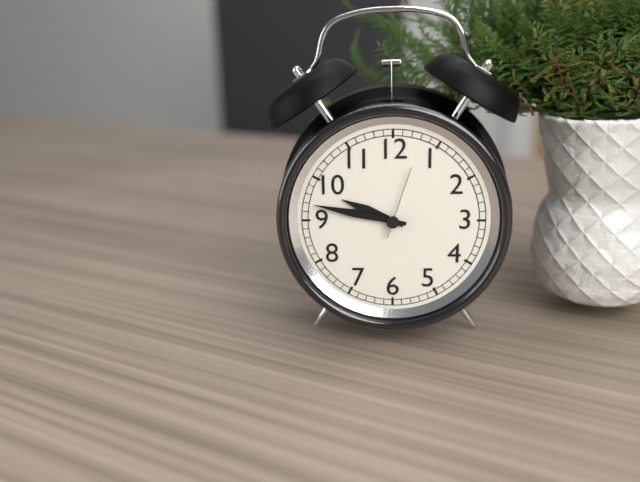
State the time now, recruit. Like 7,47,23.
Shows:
9,47,03
